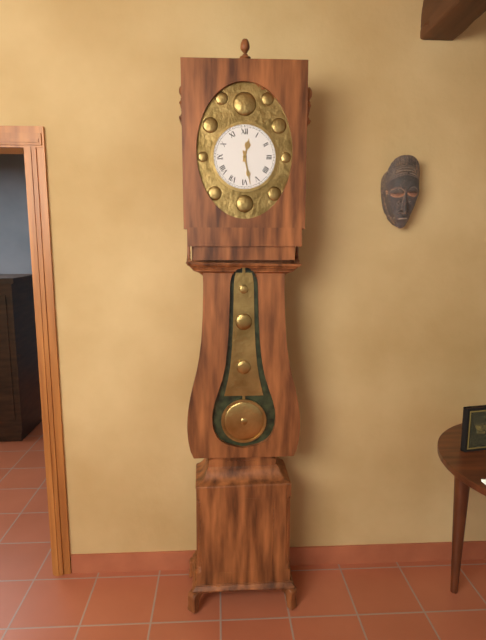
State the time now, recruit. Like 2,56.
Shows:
12,28
